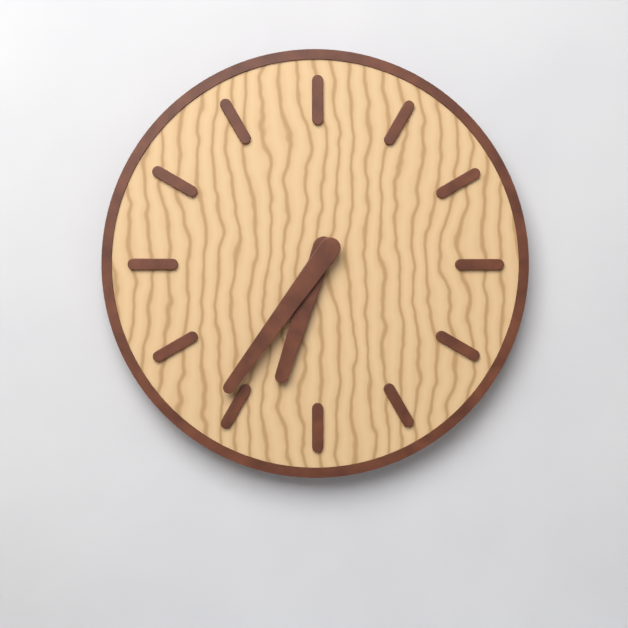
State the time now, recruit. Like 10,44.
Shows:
6,36
